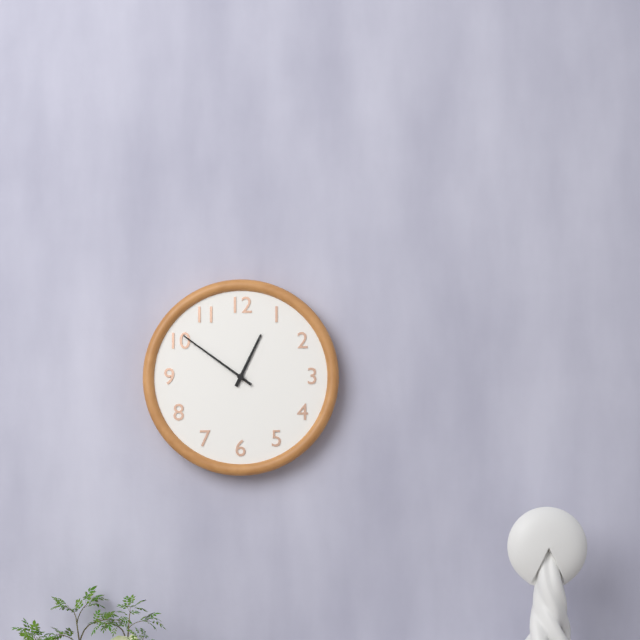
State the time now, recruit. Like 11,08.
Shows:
12,51
